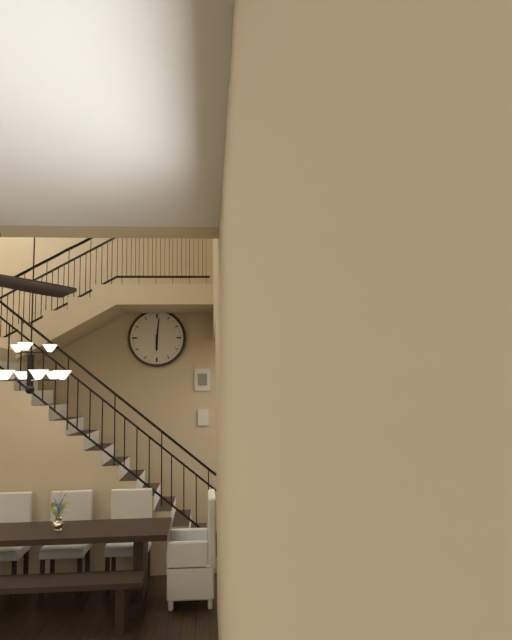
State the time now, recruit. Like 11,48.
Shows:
6,01
